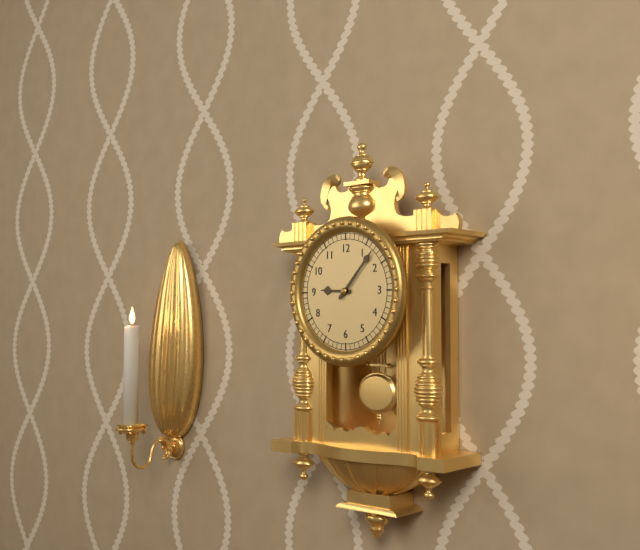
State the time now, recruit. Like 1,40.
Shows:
9,07
